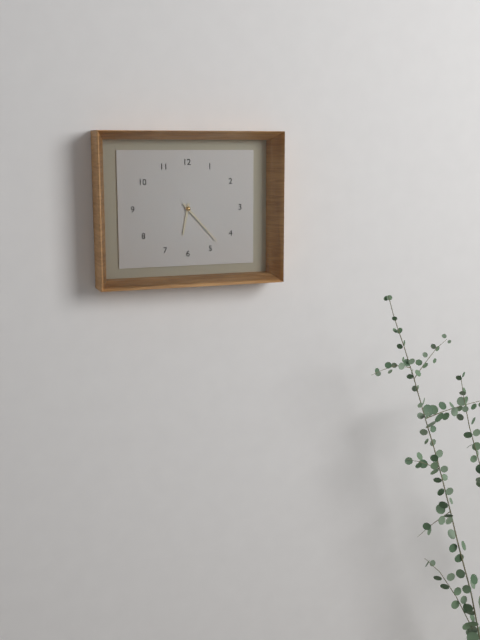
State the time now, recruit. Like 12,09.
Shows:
6,23
